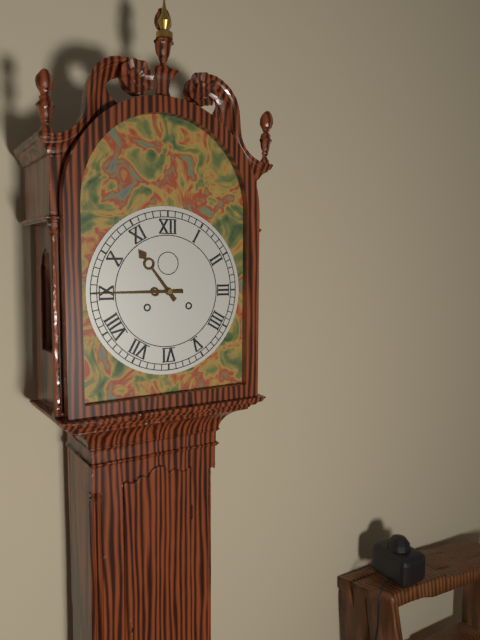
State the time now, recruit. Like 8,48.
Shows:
10,45
